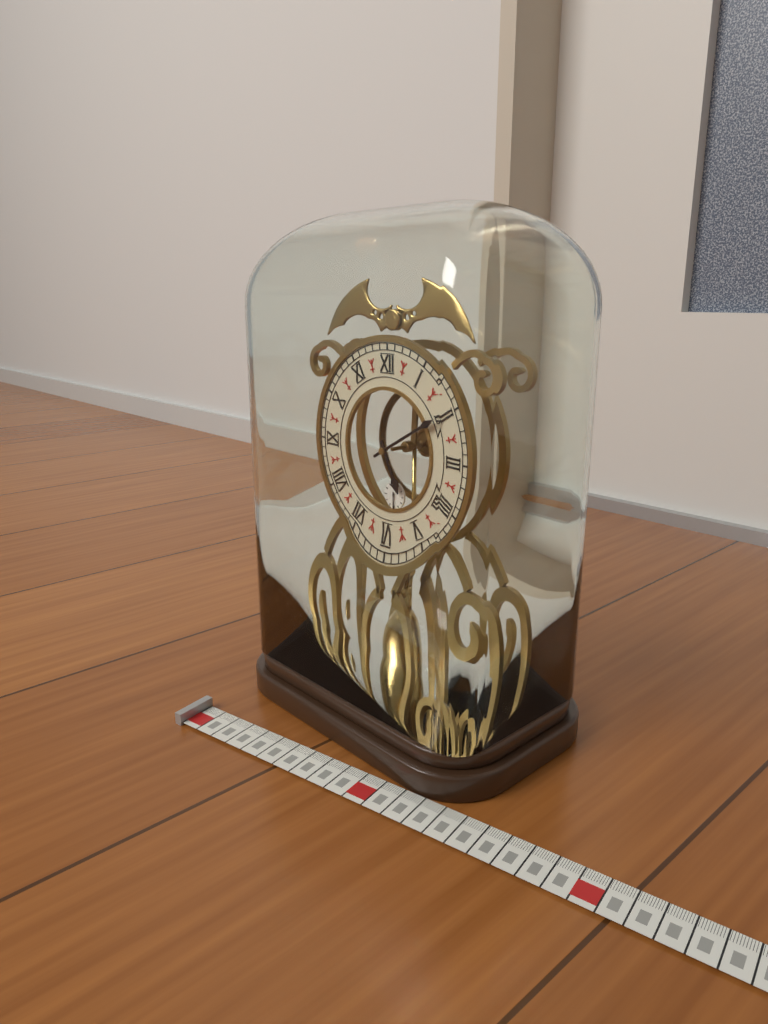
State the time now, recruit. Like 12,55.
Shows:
5,10
